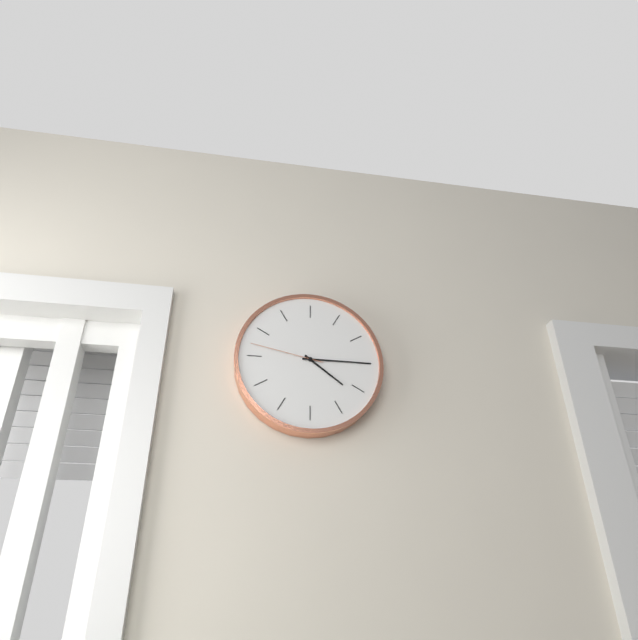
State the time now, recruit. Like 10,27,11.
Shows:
4,15,47
